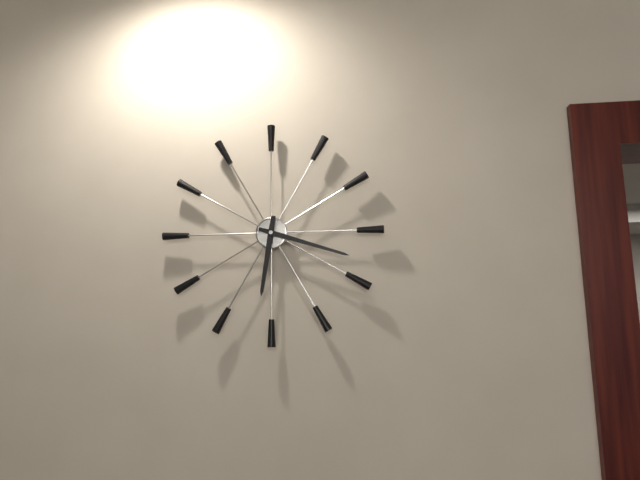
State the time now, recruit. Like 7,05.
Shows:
6,18
